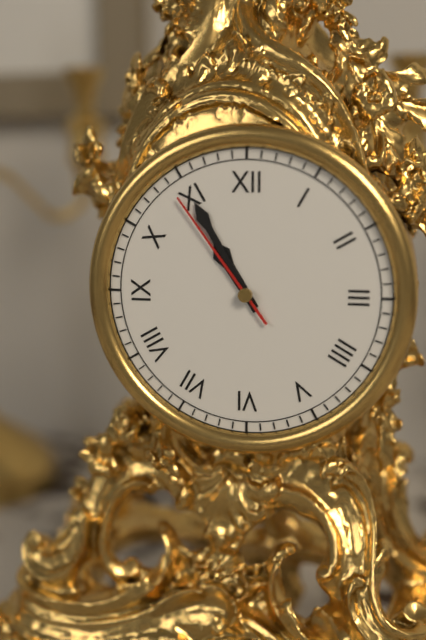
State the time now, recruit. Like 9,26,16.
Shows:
10,55,54
